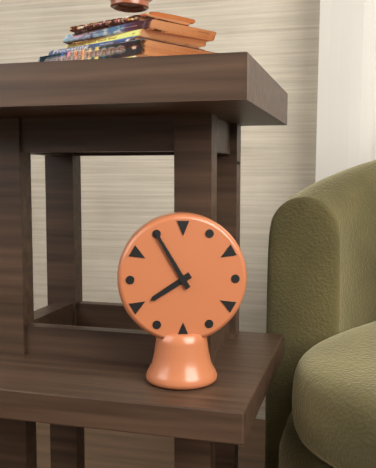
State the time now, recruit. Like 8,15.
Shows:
7,55
